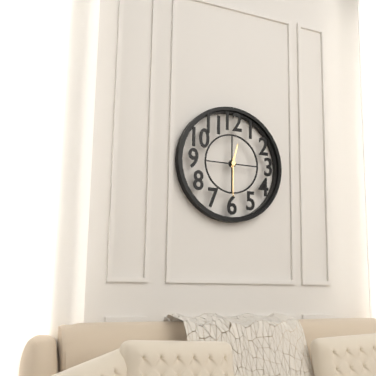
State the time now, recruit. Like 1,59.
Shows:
12,30
